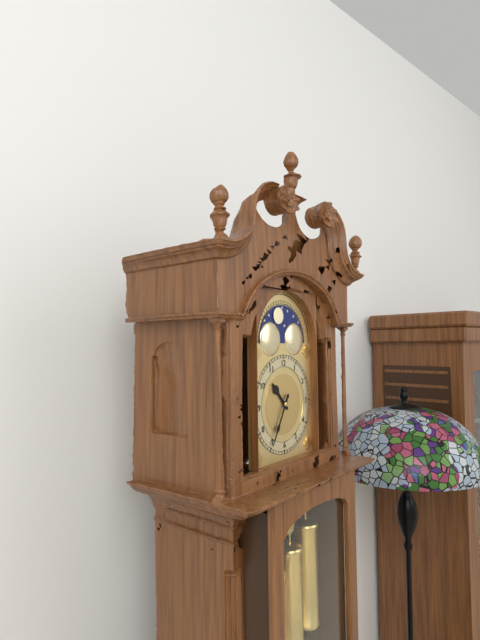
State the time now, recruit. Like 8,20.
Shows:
10,35
